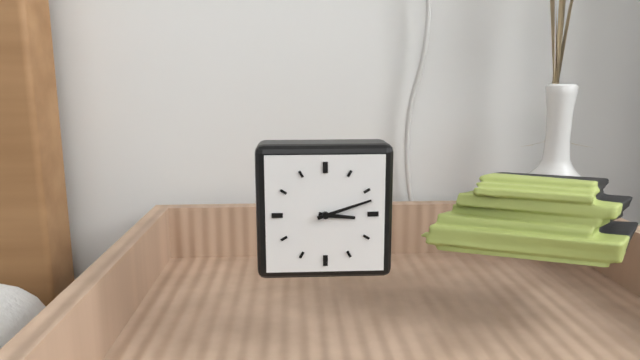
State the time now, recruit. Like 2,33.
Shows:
3,12
